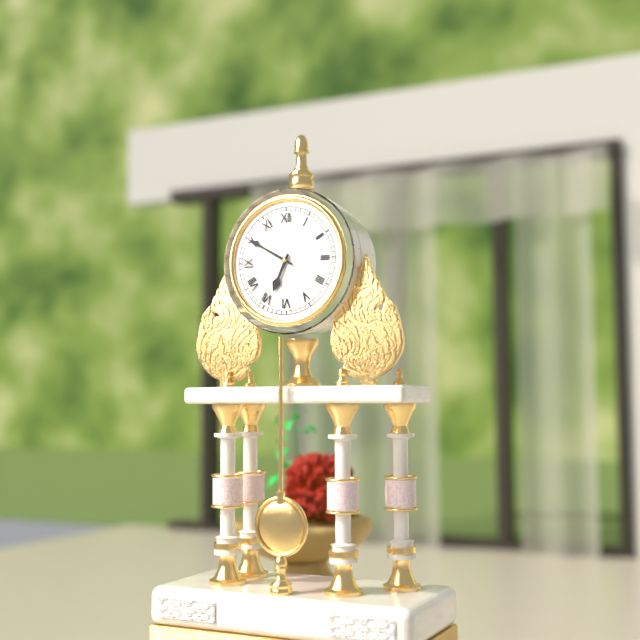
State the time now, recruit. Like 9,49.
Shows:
6,50
